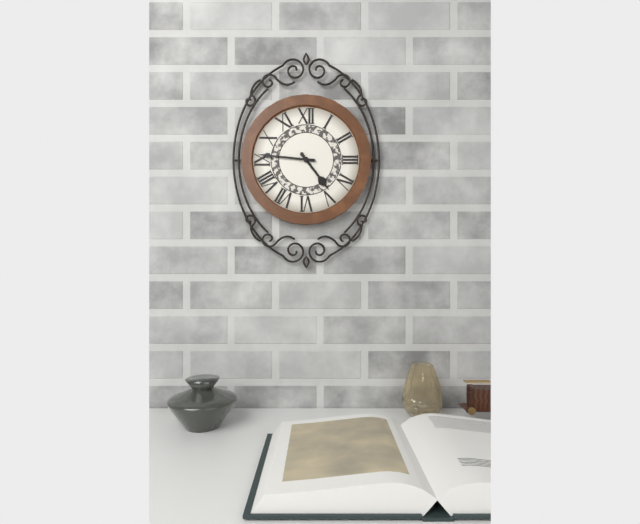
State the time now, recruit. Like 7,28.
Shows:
4,46
